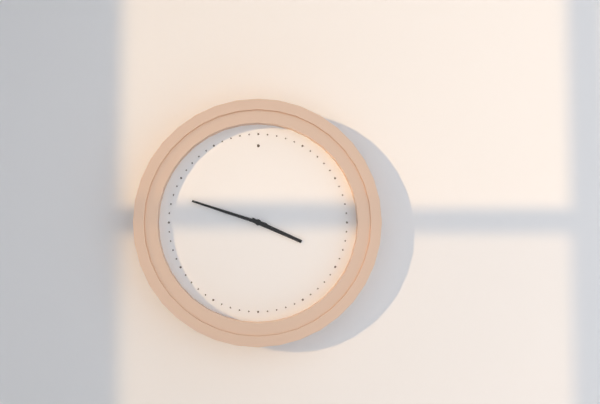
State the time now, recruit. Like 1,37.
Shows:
3,48
